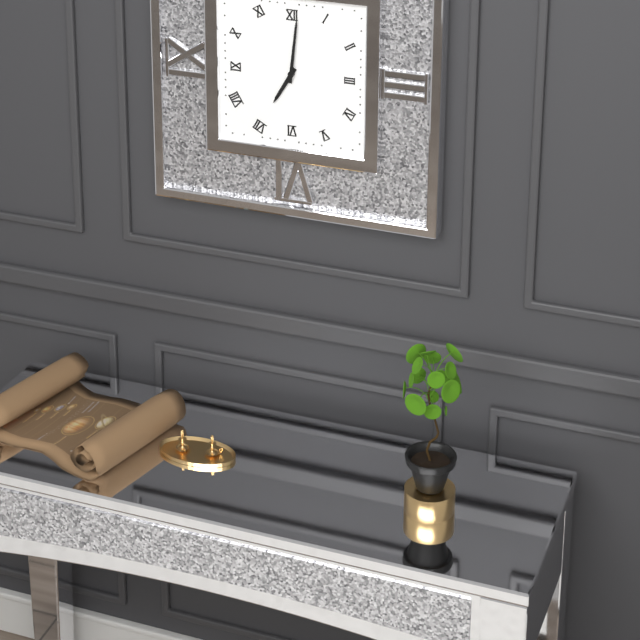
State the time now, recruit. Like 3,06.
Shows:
7,01
